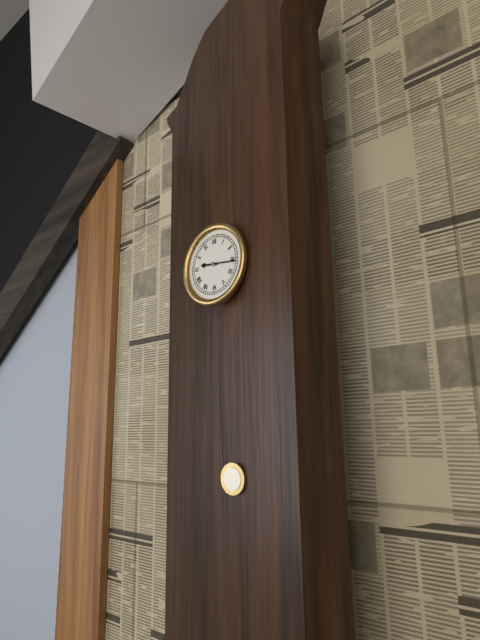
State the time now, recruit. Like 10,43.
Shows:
9,16
